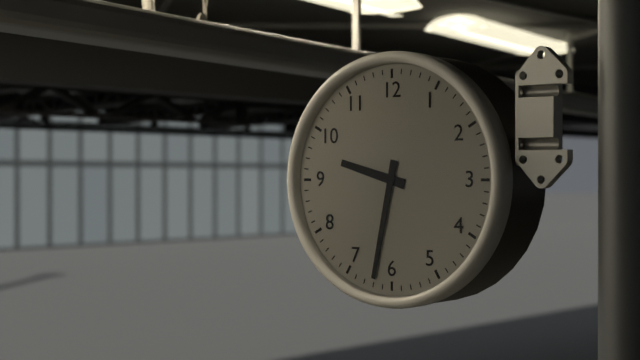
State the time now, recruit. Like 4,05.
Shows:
9,32
